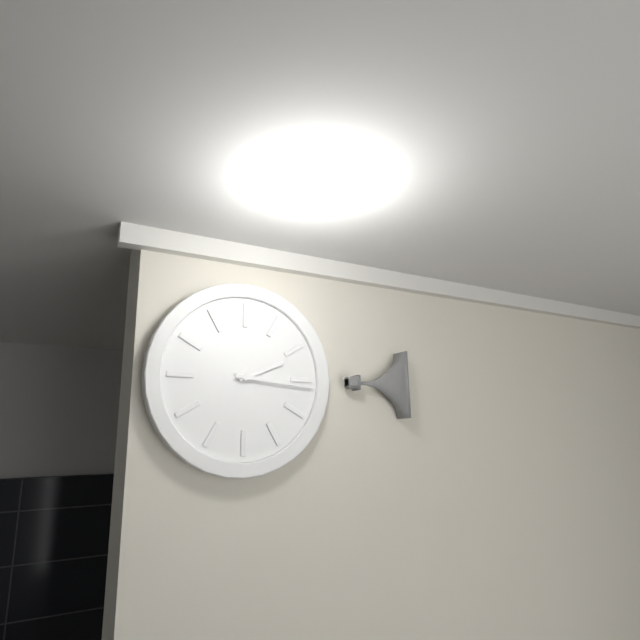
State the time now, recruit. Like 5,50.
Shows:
2,16
